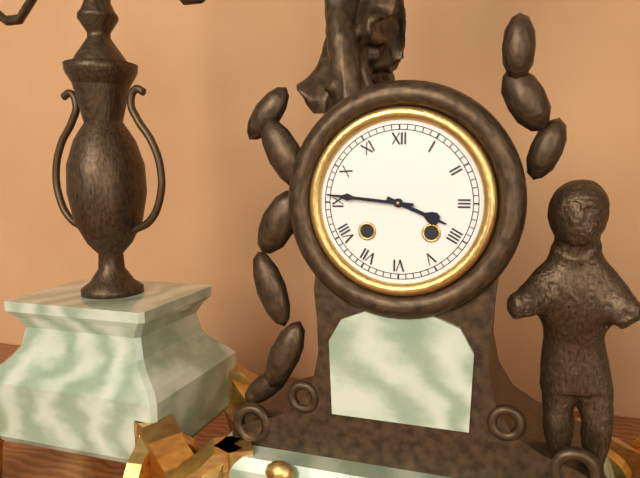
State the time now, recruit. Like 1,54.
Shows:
3,46
